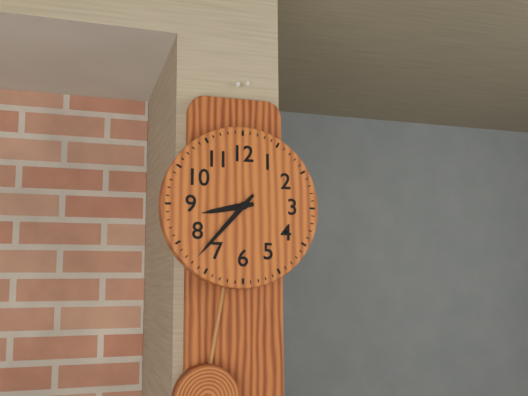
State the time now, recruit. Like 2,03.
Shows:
8,37
